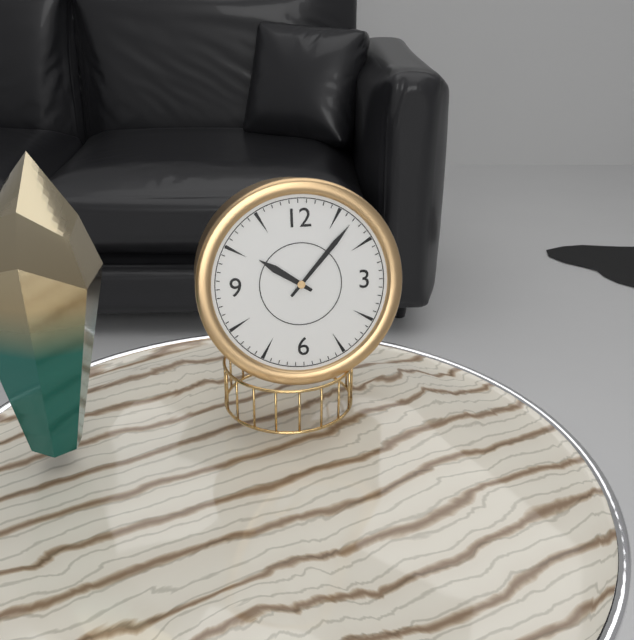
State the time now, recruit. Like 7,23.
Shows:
10,07
